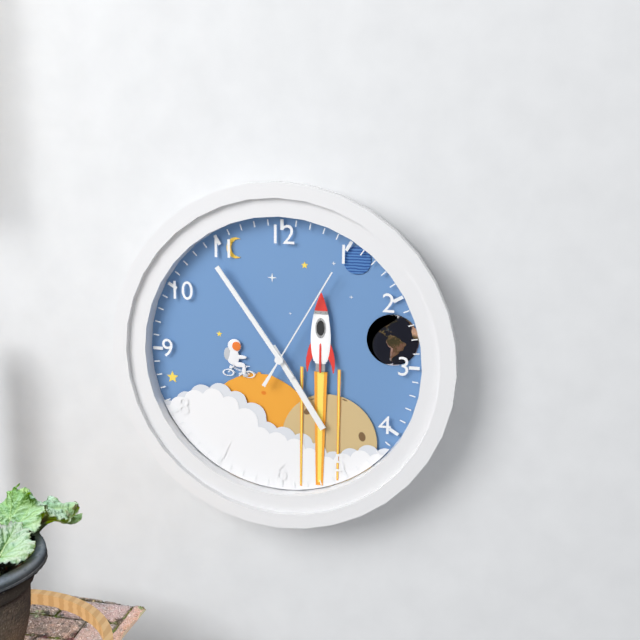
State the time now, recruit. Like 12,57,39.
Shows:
4,54,05
